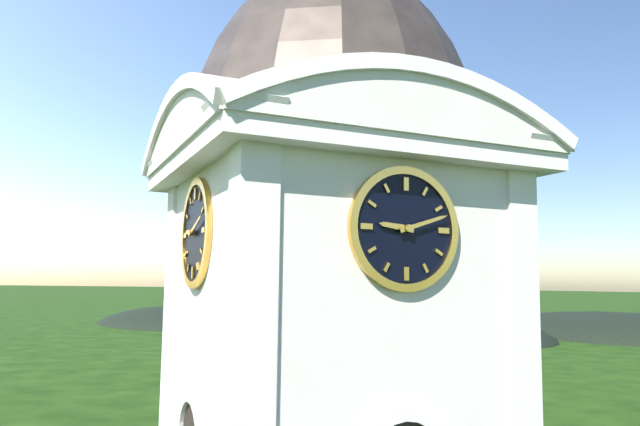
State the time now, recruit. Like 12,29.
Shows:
9,12
